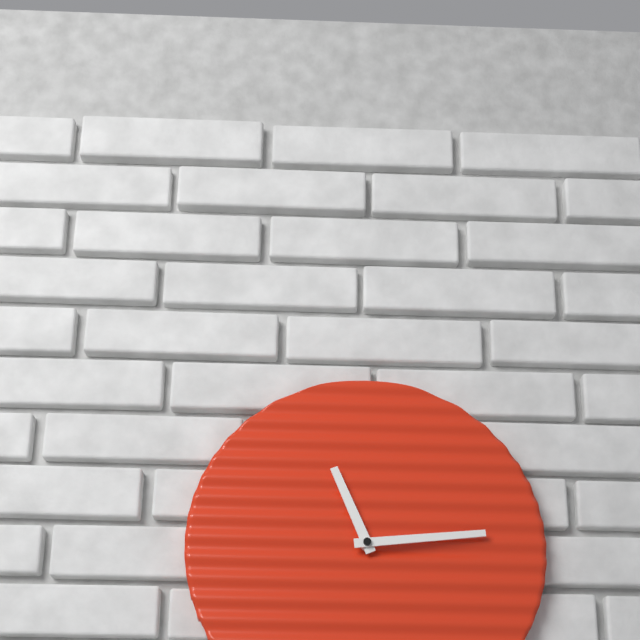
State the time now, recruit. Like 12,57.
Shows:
11,14
